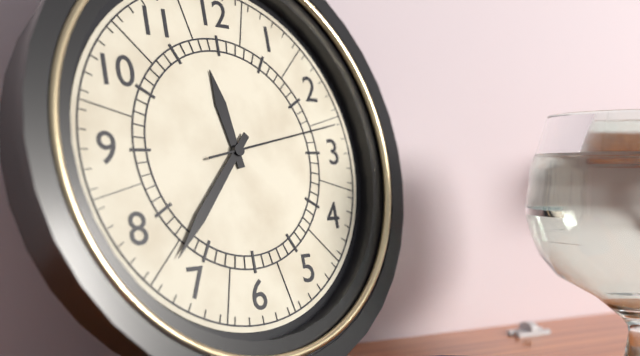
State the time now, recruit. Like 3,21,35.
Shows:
11,37,13
